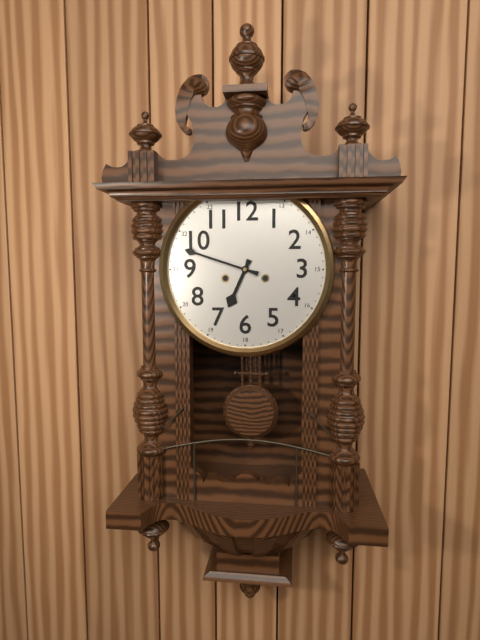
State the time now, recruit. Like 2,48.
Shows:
6,48
